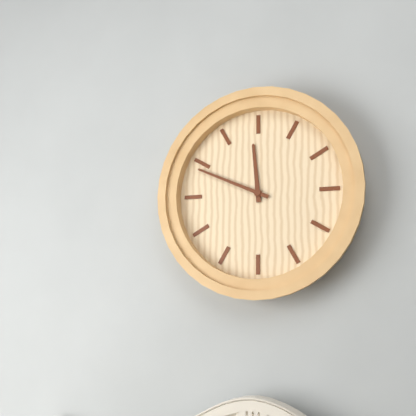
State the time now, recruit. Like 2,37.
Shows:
11,49
